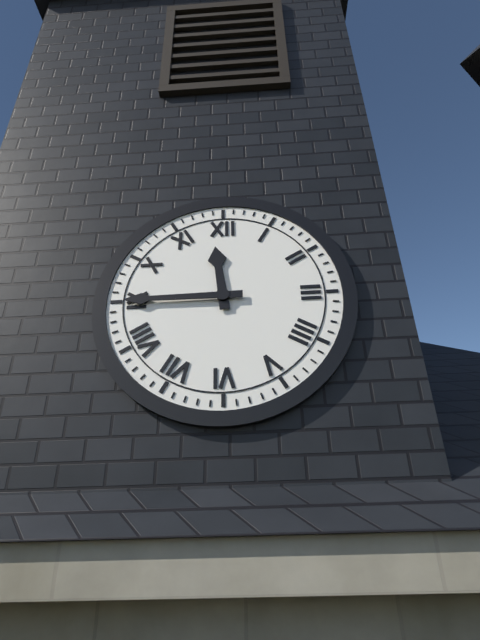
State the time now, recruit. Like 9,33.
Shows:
11,45
